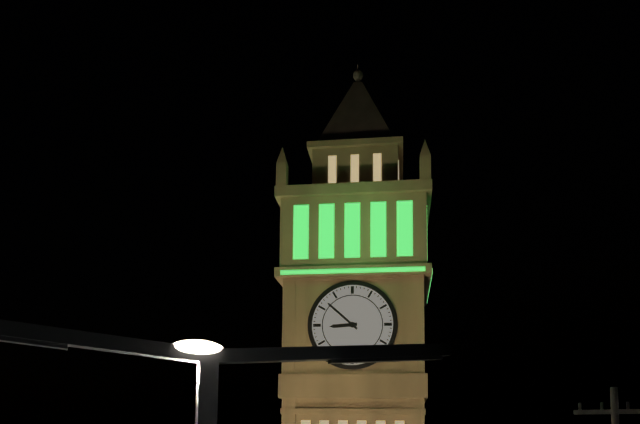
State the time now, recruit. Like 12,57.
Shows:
8,52
